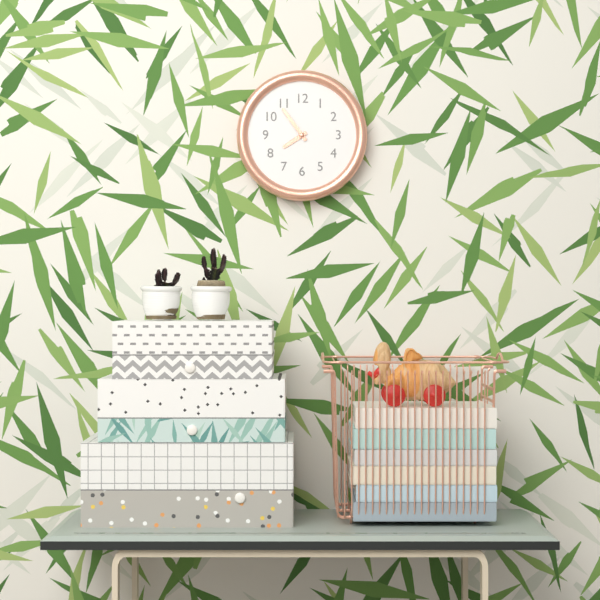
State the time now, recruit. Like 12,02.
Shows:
7,54
